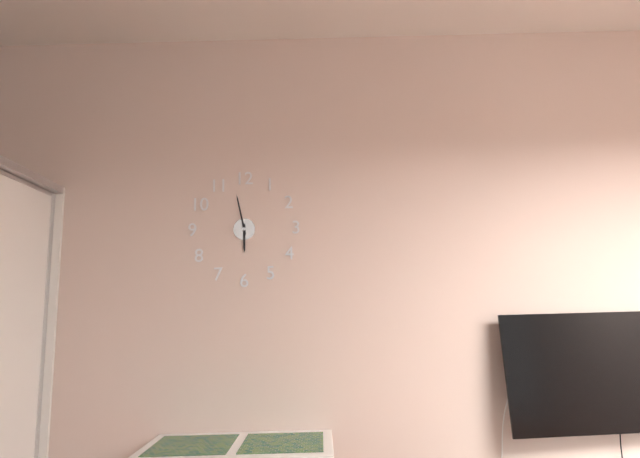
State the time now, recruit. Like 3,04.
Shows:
5,58
